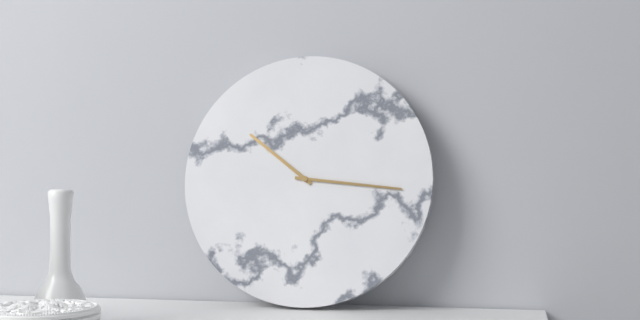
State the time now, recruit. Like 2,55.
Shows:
10,16
